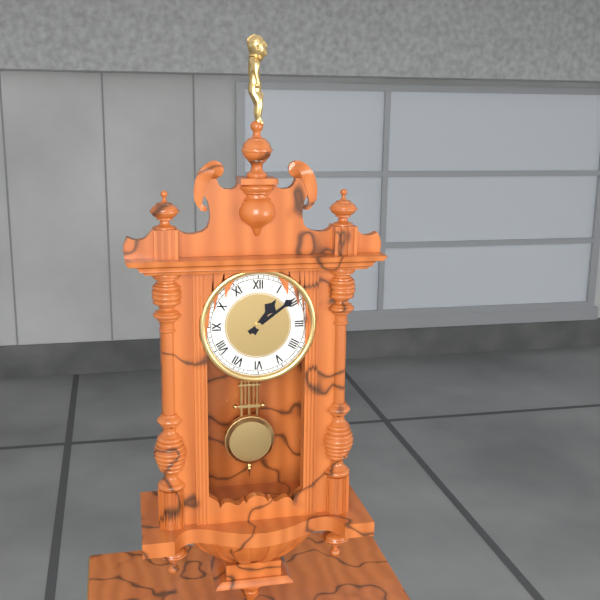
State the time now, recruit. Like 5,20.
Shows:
1,09
